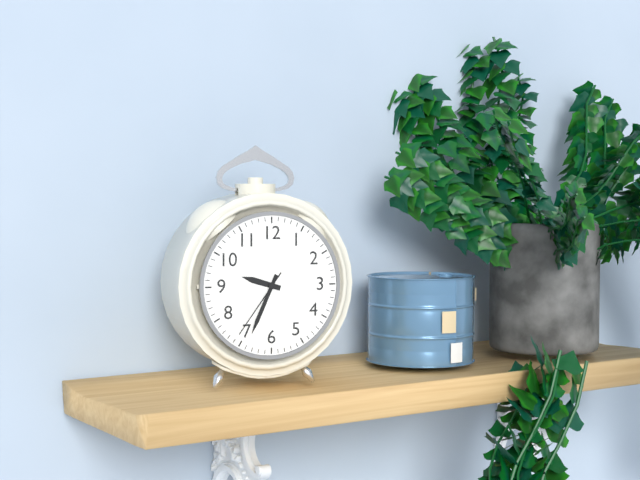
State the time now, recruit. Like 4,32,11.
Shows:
9,34,36
